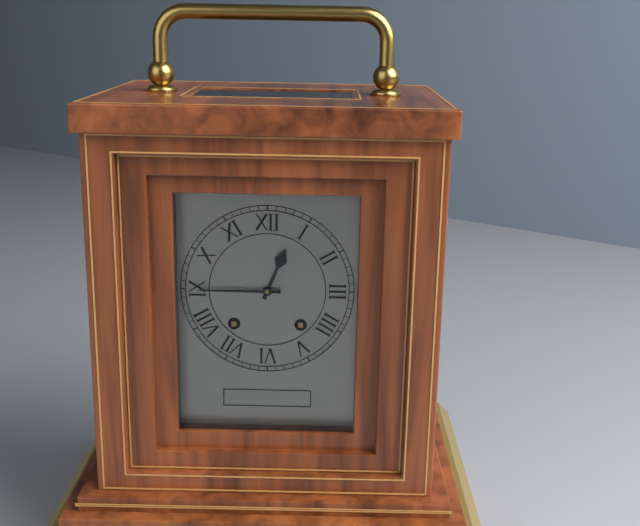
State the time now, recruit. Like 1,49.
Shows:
12,45
